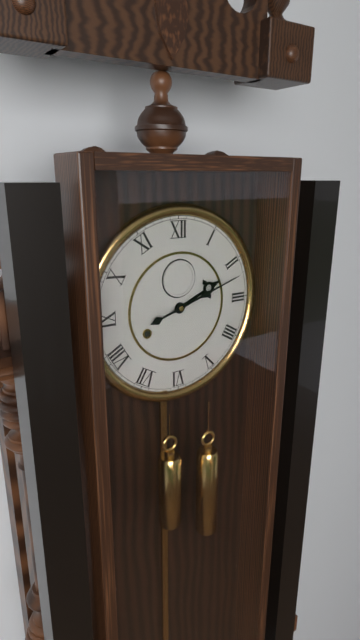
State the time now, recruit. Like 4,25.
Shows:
2,12
